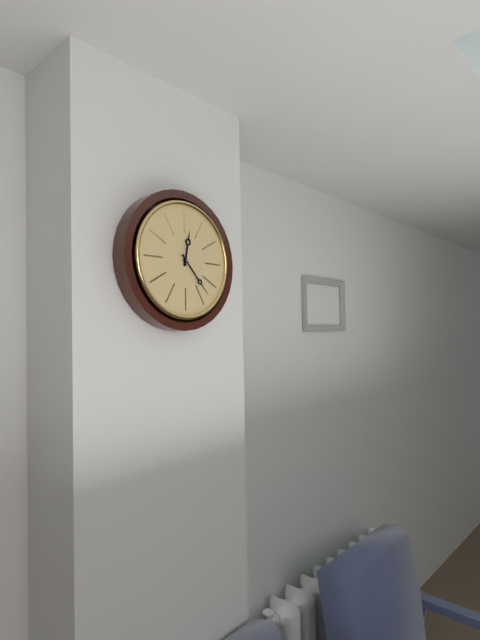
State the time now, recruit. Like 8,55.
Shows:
12,23
